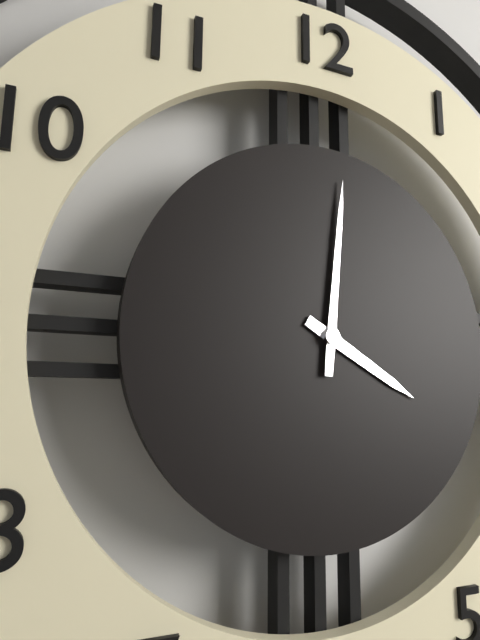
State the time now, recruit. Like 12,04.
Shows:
4,01
